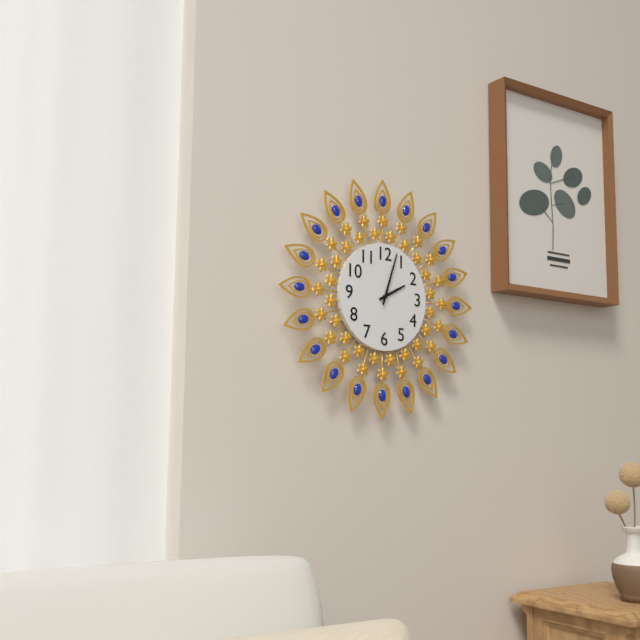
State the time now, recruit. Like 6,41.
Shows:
2,03
